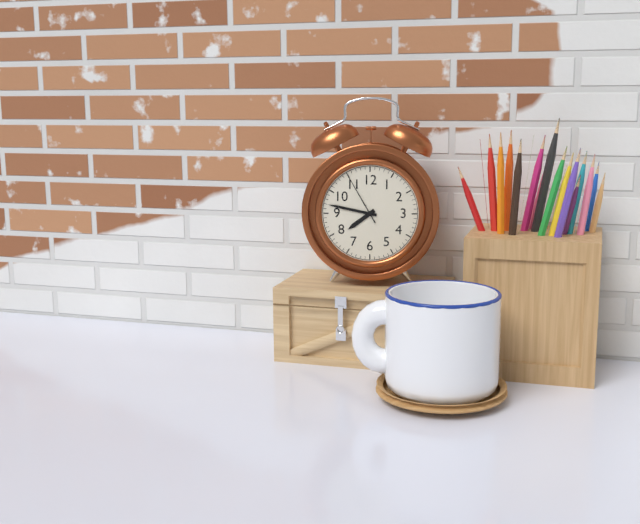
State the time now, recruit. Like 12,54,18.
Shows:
7,47,55
